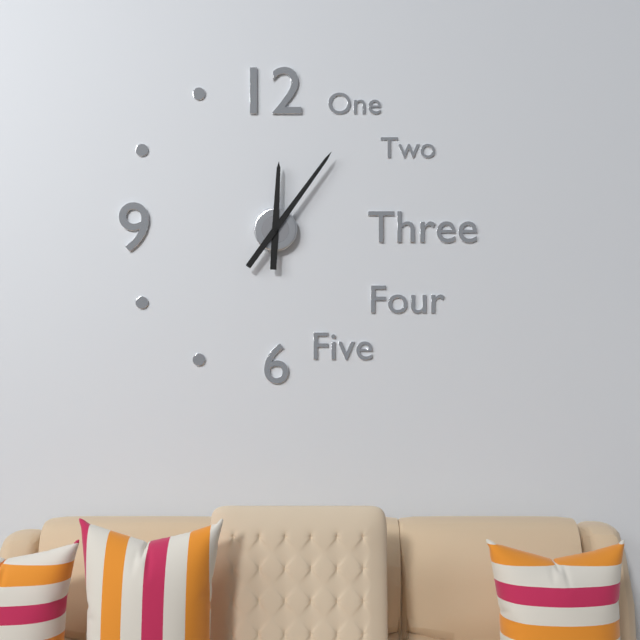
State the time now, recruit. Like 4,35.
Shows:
12,06
